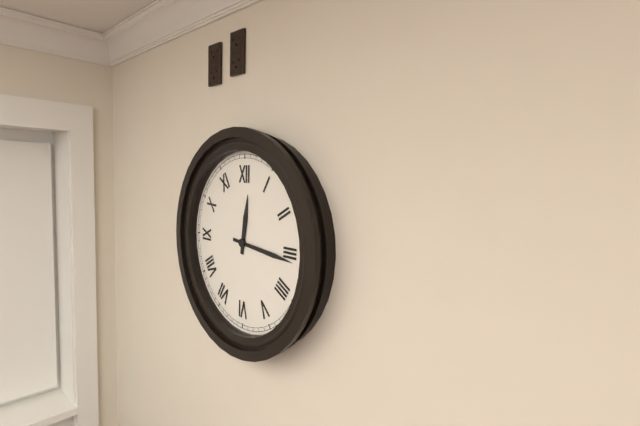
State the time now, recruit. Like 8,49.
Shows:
12,16
